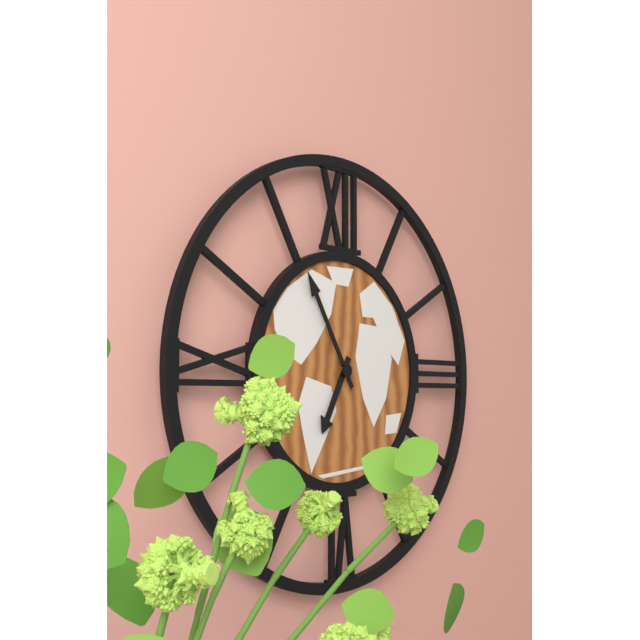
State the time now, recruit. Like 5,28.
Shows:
6,55
